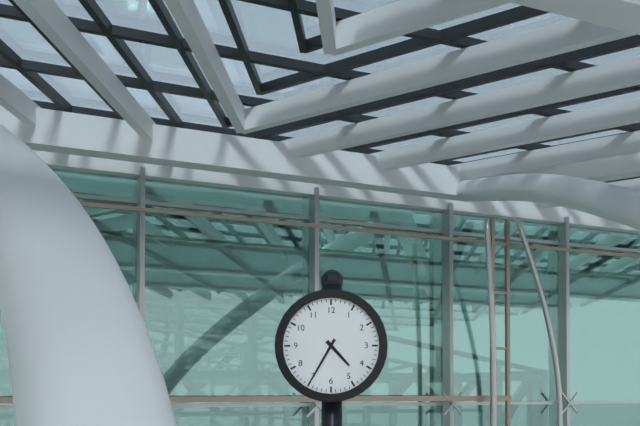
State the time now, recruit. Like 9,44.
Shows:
4,35
